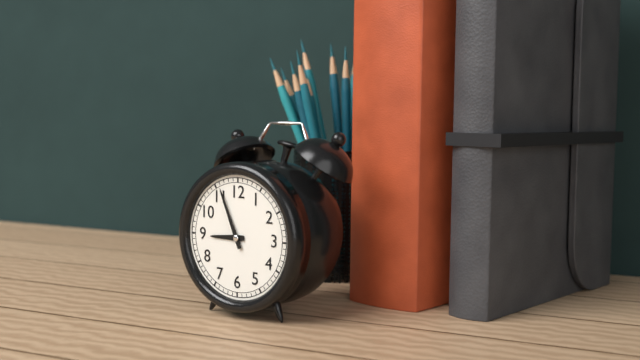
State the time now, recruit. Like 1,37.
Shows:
8,56
